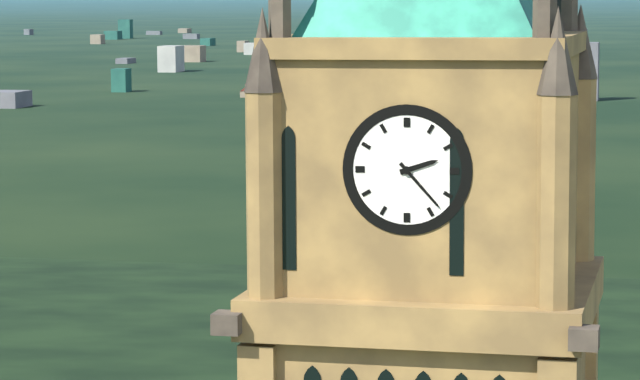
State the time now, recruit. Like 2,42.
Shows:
2,23
